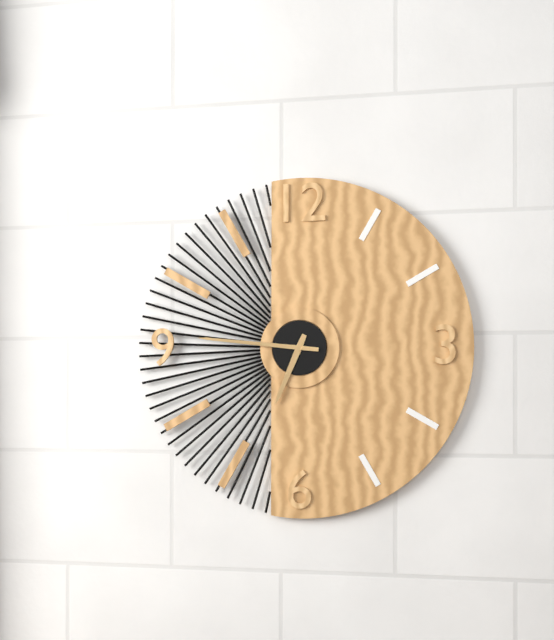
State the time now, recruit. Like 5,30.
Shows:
6,46
